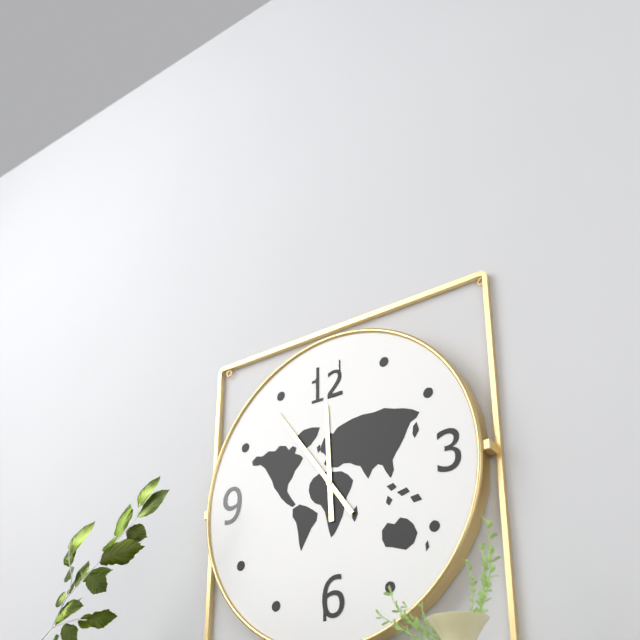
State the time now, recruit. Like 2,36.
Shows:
11,54
